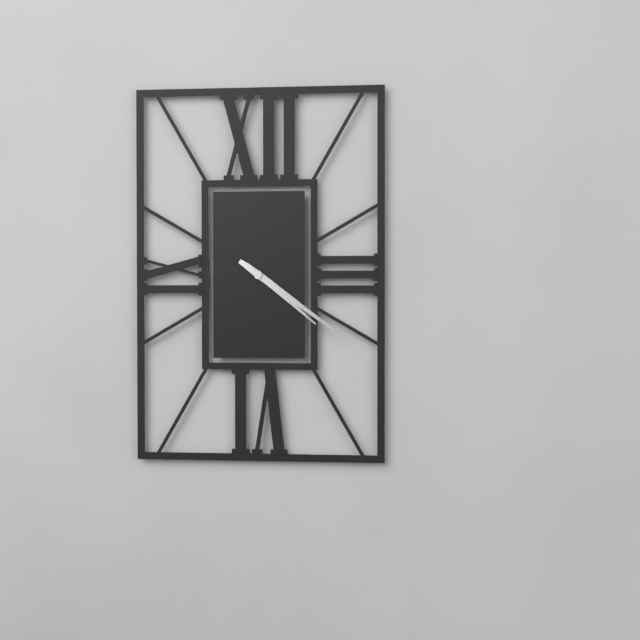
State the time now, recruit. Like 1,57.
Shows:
4,21
